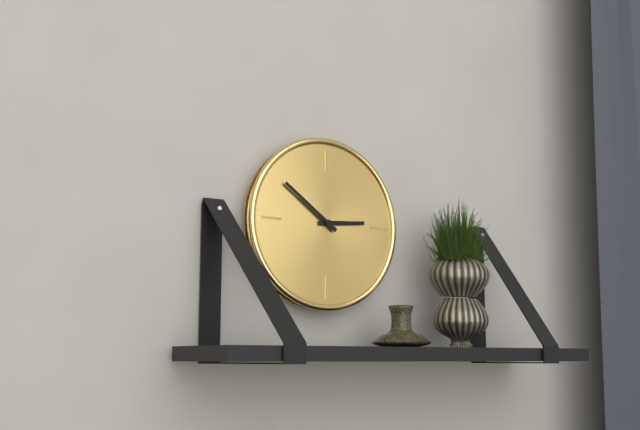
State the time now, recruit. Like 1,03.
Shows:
2,51
